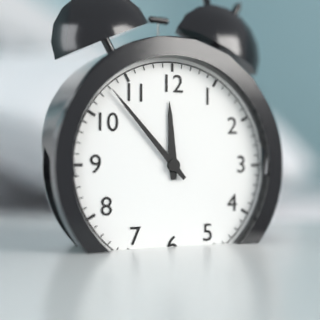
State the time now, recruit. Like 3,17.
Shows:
11,53
